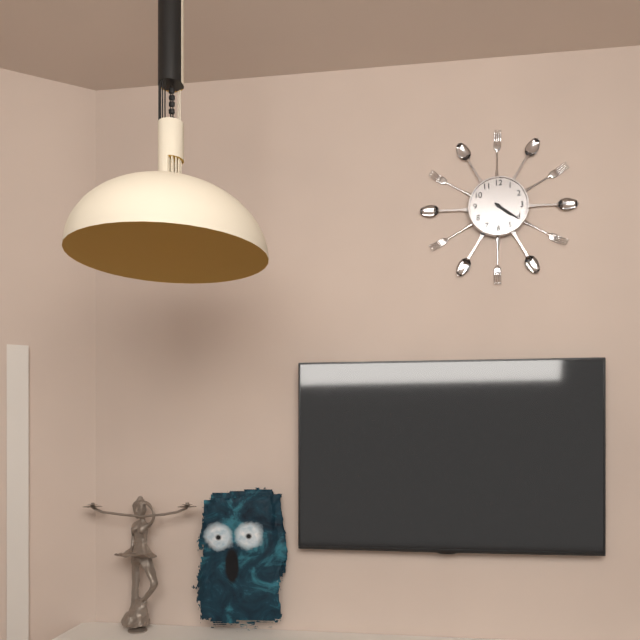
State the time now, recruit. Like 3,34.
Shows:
4,21
